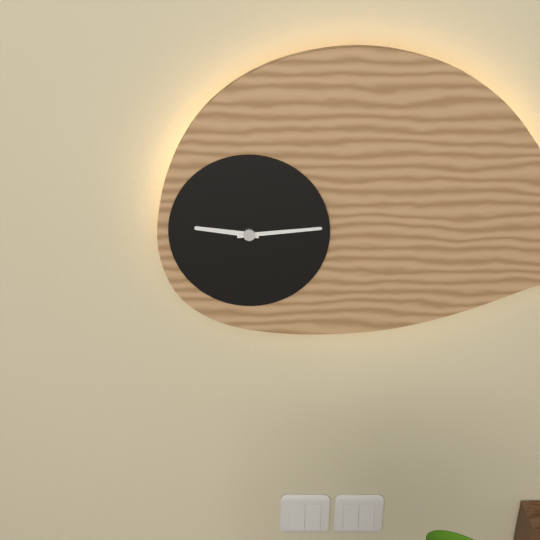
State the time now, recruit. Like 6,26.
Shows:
9,14
